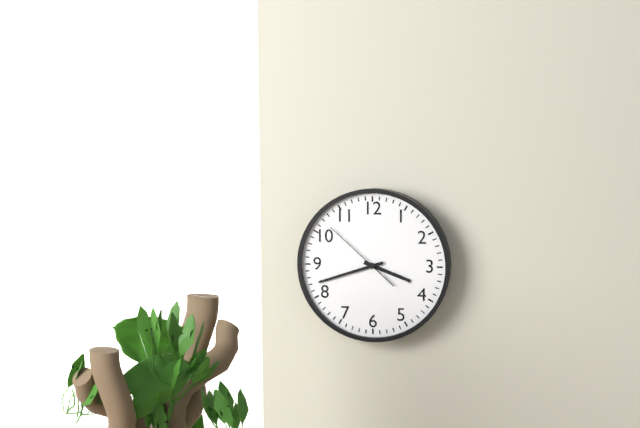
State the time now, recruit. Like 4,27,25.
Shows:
3,42,52
